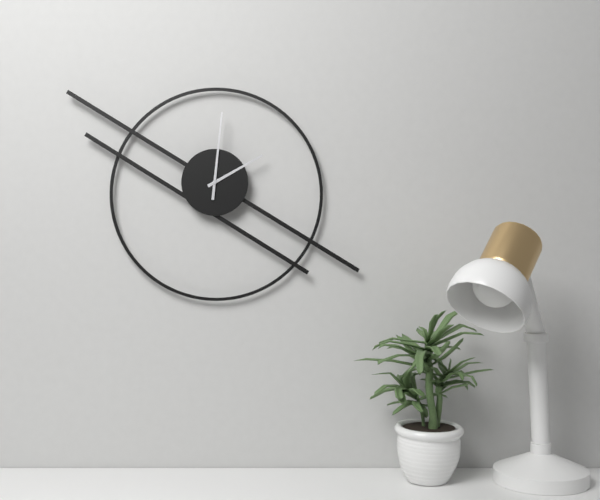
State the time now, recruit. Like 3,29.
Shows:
2,01
